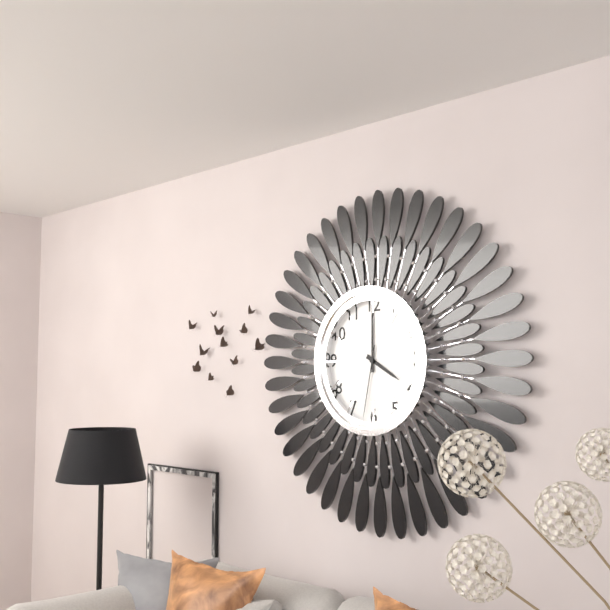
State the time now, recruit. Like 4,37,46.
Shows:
4,00,32
